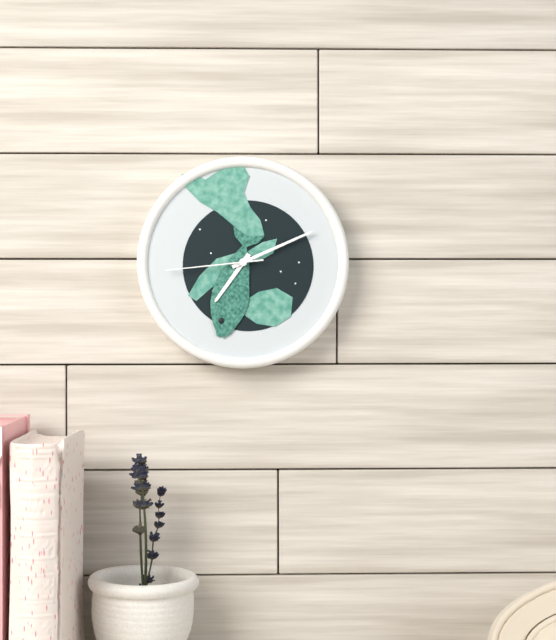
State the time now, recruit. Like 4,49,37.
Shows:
7,11,44
